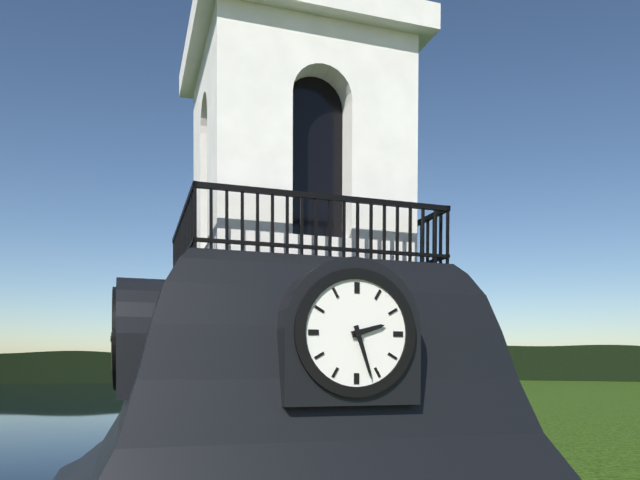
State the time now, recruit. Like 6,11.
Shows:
2,27
